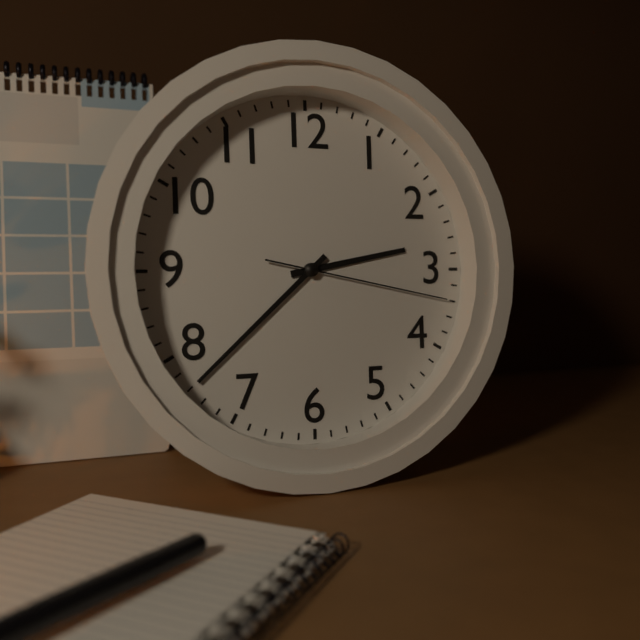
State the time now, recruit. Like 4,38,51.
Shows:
2,38,17
